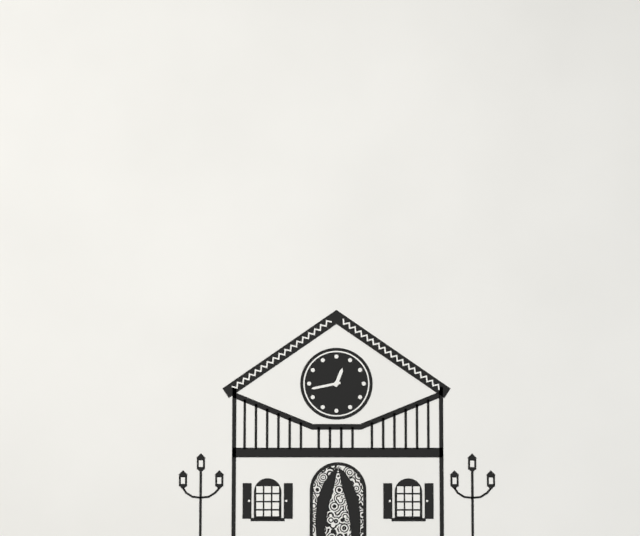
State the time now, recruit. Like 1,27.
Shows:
12,43
